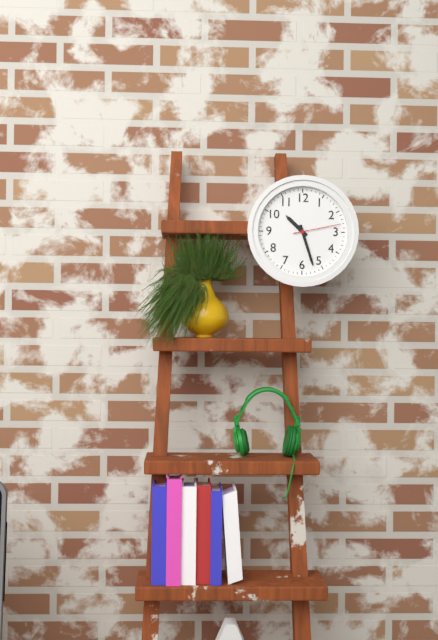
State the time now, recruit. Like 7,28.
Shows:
10,27
